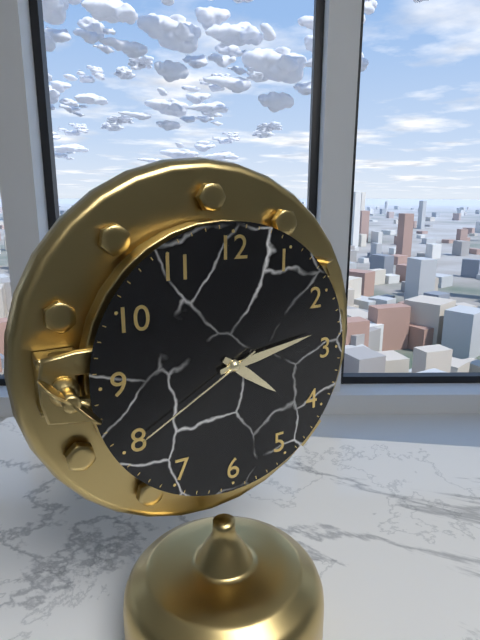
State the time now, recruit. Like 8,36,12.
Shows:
4,13,40
